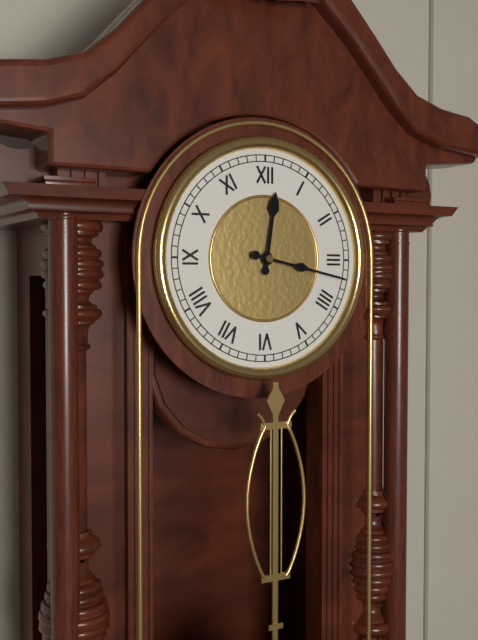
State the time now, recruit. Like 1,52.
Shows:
12,17
